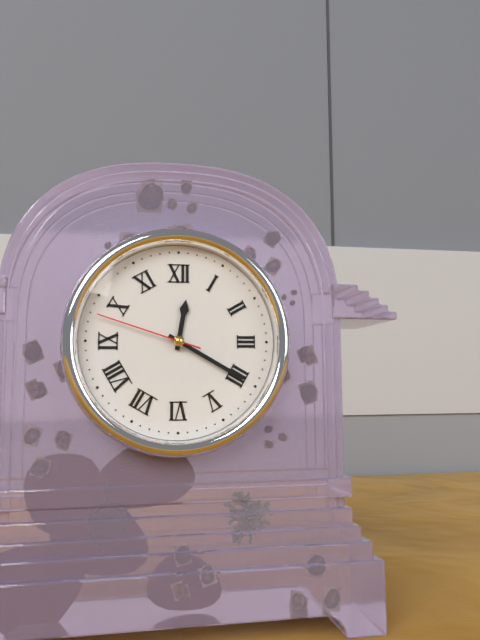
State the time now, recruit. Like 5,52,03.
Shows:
12,20,48
